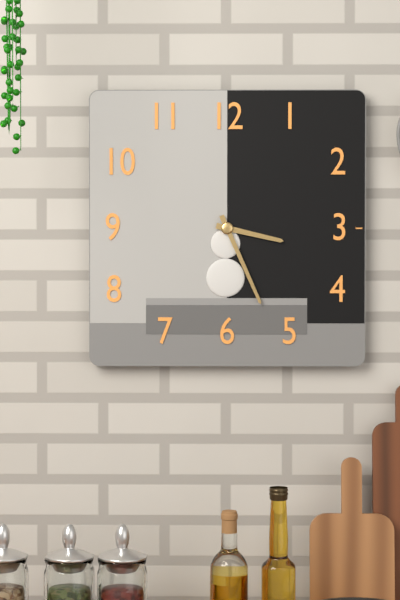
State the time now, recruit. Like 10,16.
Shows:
3,26
